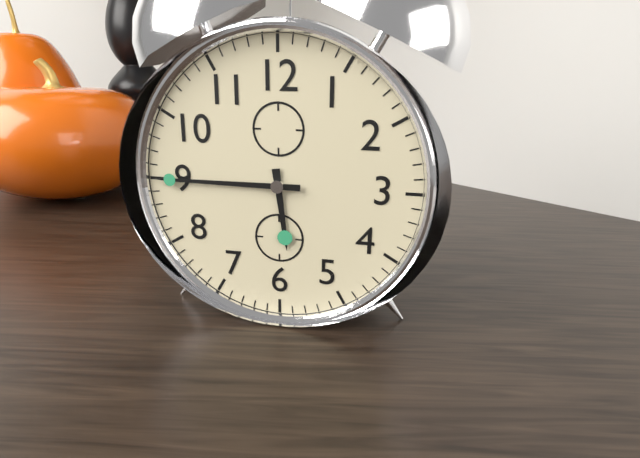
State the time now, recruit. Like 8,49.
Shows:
5,45
